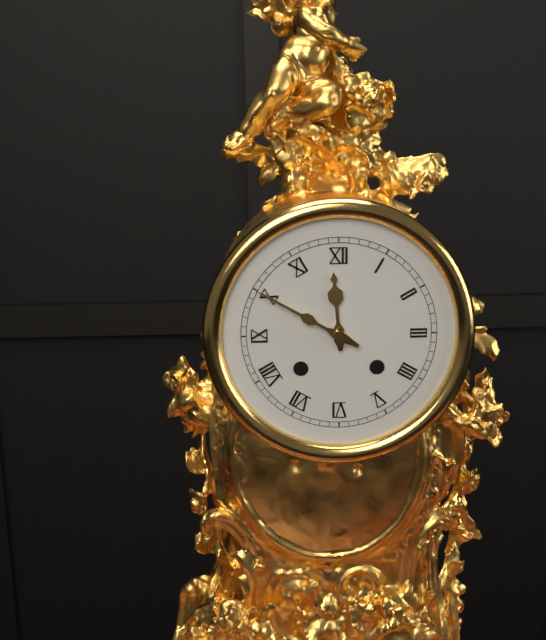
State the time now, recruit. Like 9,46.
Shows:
11,50
